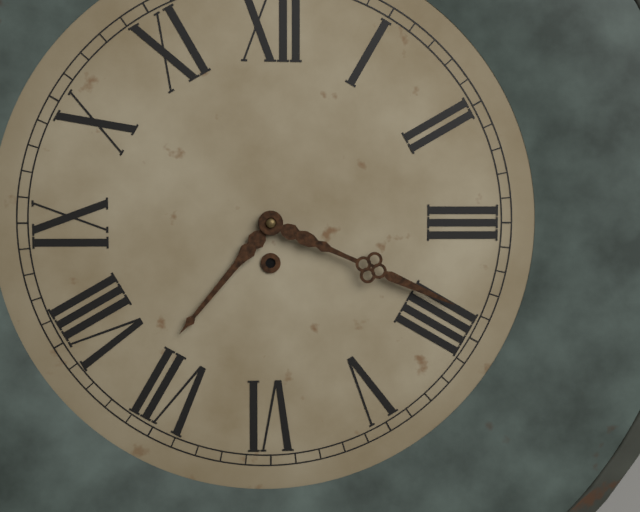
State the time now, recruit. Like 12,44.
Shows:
7,19
